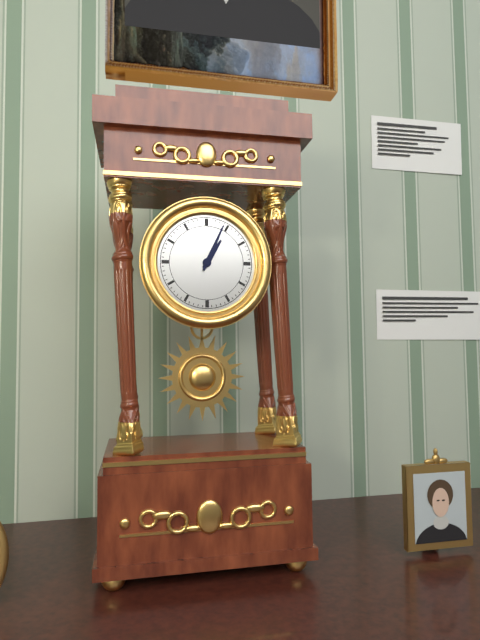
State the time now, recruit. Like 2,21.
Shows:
1,04
